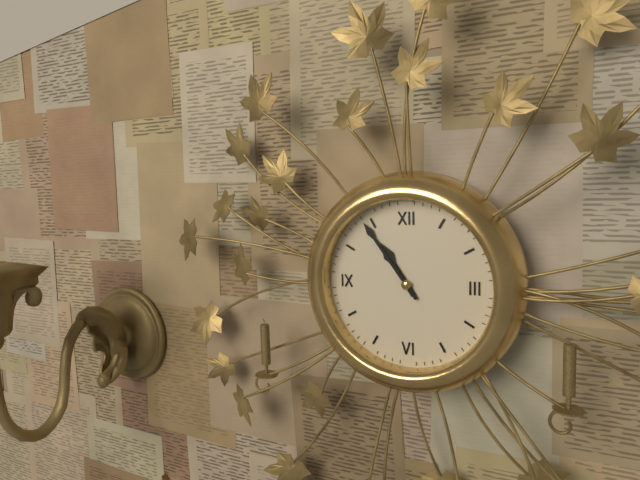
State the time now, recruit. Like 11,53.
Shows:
10,54
